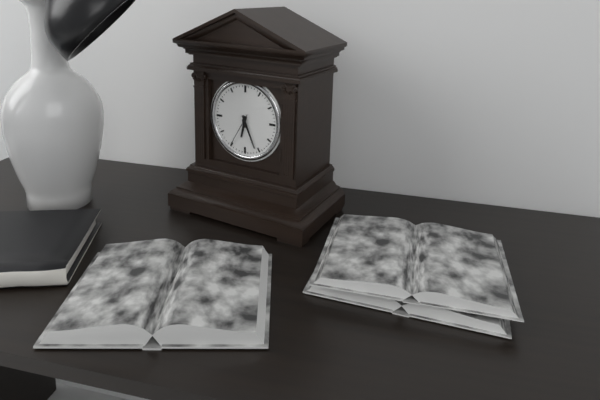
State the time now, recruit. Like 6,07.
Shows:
6,26
